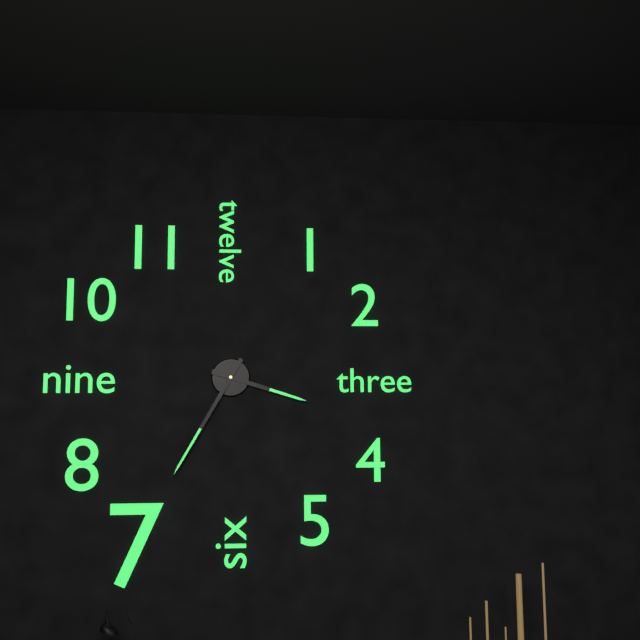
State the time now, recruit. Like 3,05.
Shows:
3,35
